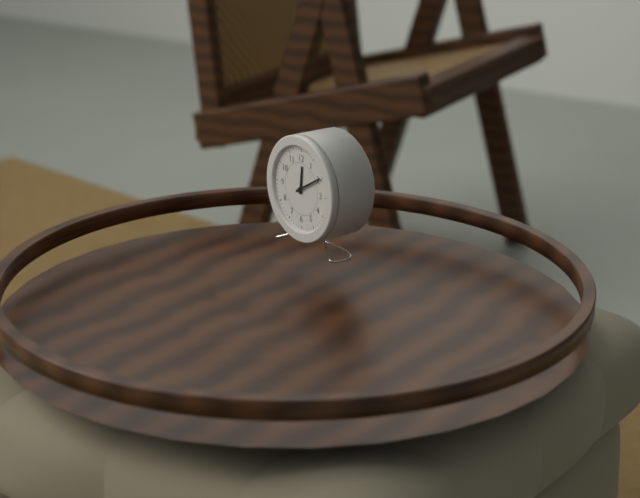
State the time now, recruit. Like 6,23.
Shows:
12,10
